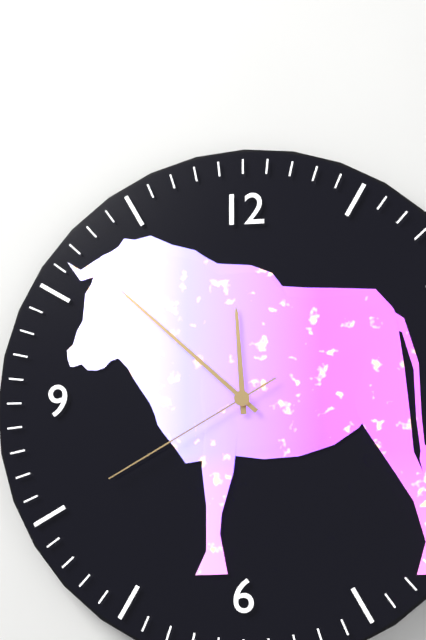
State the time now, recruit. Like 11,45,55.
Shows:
11,52,40
